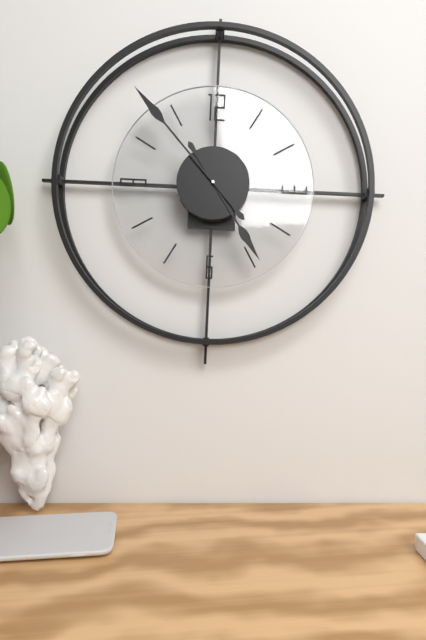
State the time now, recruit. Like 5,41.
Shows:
4,53
